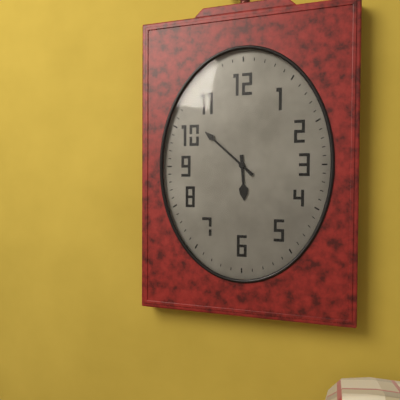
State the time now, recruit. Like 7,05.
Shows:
5,52
